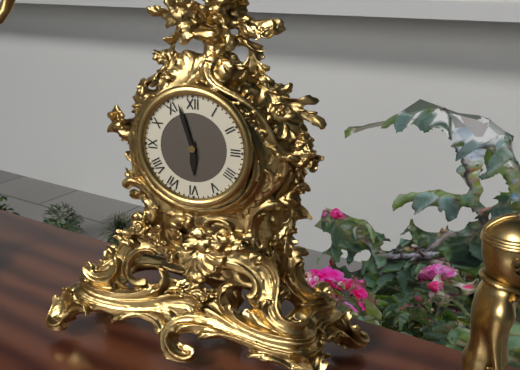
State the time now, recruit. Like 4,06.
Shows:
5,57
